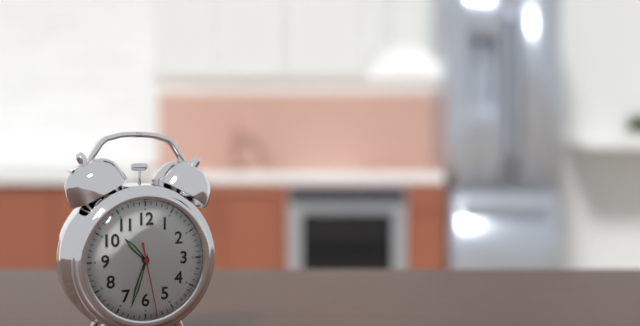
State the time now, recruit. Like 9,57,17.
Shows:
10,33,28
